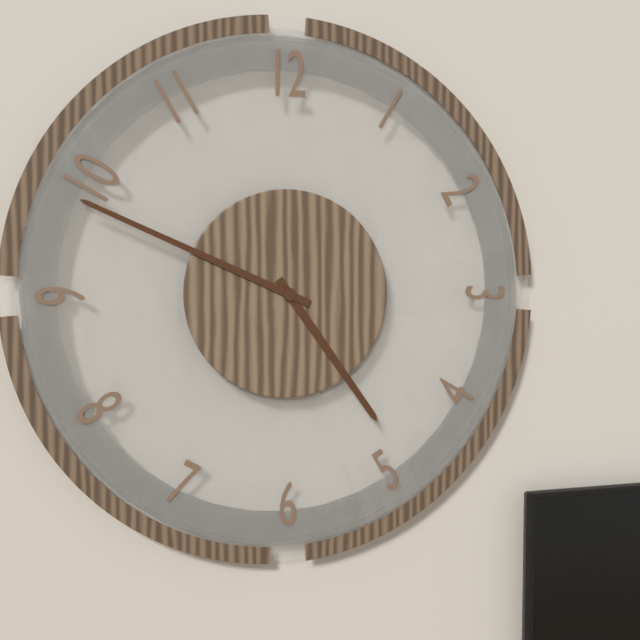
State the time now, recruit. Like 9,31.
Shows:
4,49
